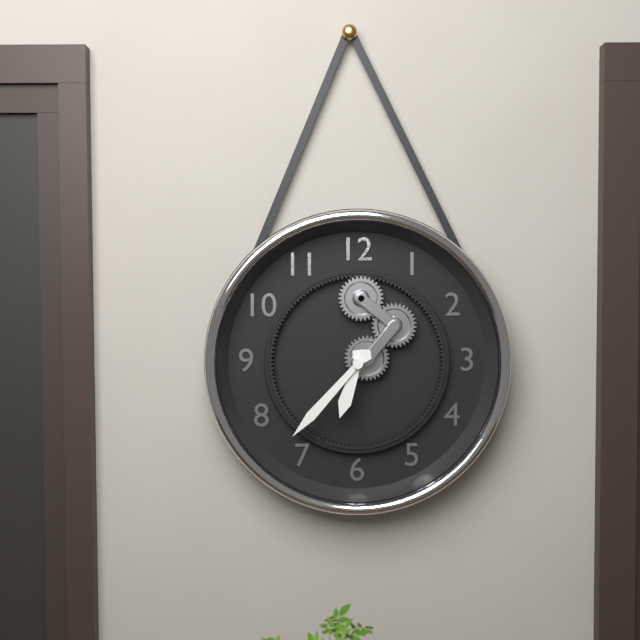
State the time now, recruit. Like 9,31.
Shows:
6,37
